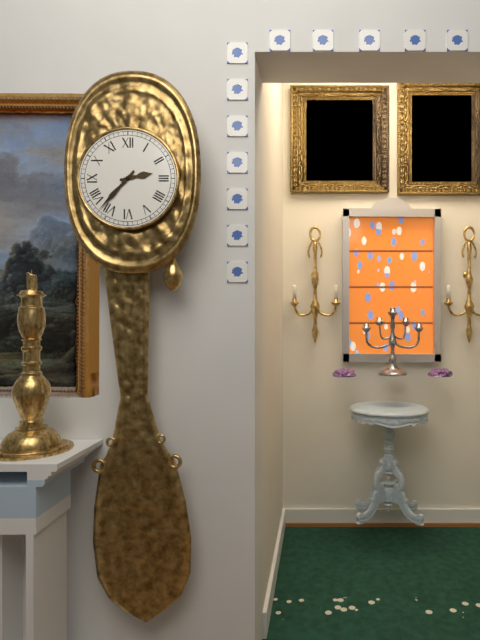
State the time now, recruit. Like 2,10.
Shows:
2,37
